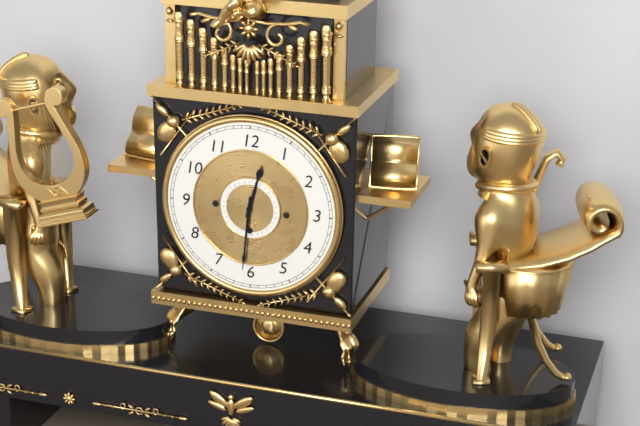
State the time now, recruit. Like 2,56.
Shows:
12,31
